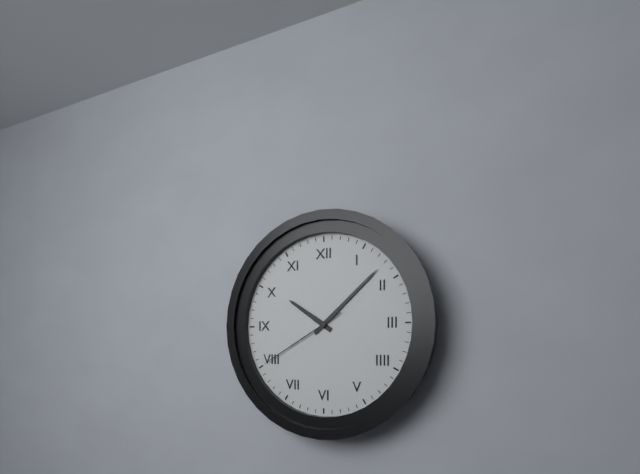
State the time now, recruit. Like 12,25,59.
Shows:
10,08,40
